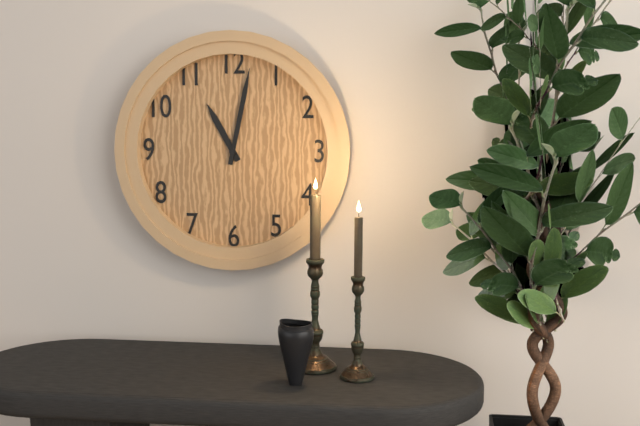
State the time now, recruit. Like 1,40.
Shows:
11,02
